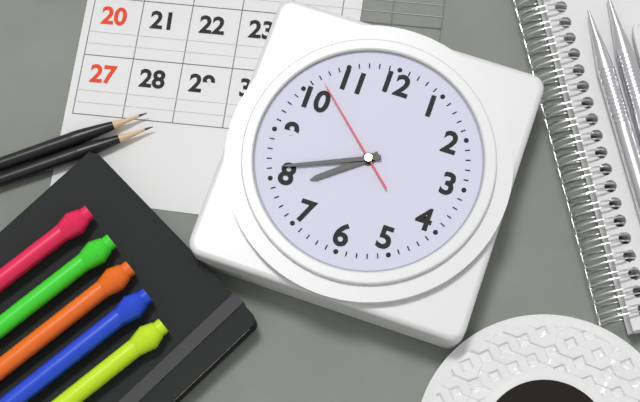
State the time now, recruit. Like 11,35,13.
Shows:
7,41,52
